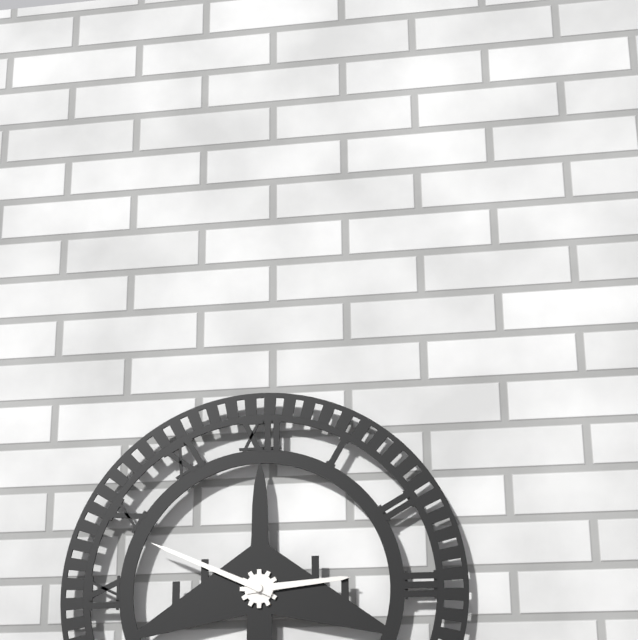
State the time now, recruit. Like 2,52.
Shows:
2,49
